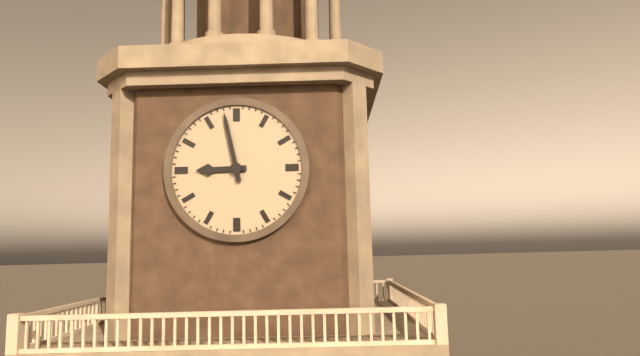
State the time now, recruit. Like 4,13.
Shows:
8,58
